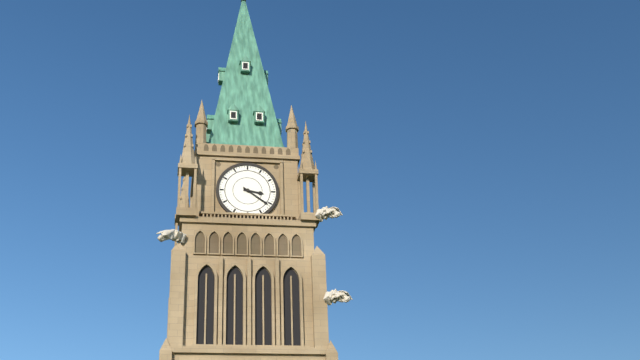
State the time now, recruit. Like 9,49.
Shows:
3,21
